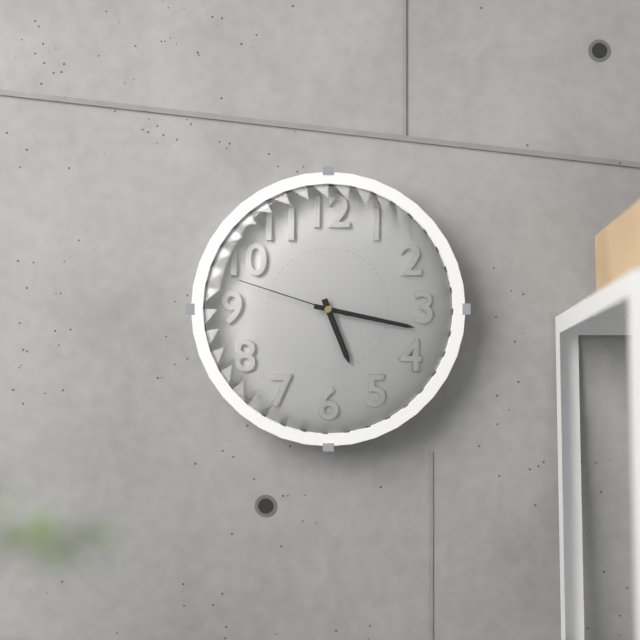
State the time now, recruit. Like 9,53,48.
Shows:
5,17,48
